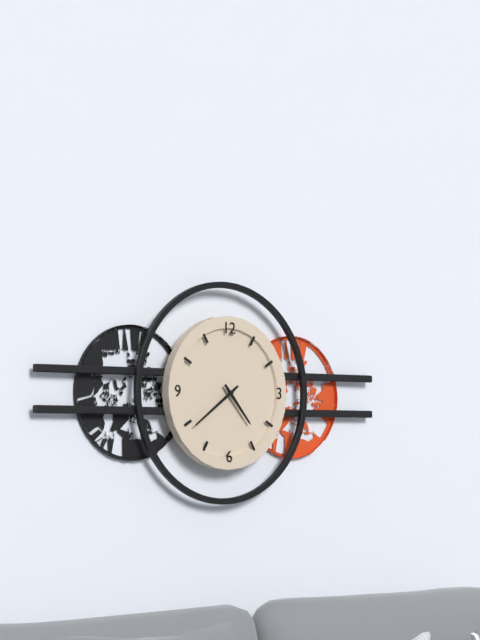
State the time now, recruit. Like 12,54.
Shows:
4,39
